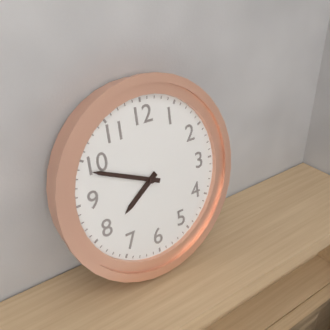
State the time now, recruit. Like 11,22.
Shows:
7,49
